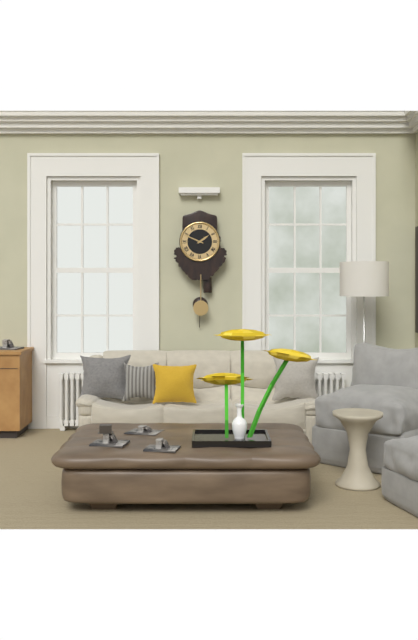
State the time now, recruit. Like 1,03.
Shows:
1,49
